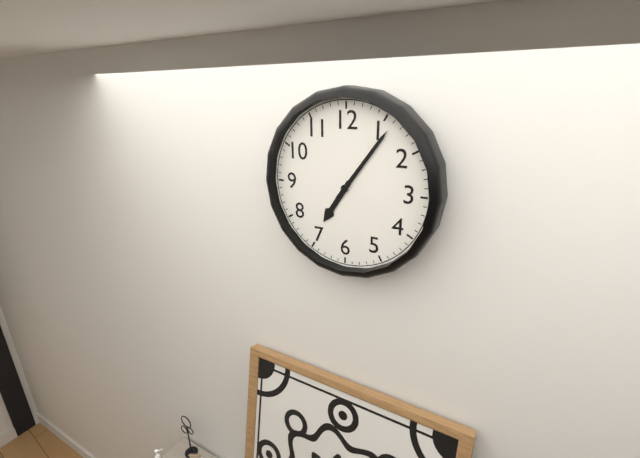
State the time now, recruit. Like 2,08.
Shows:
7,06
